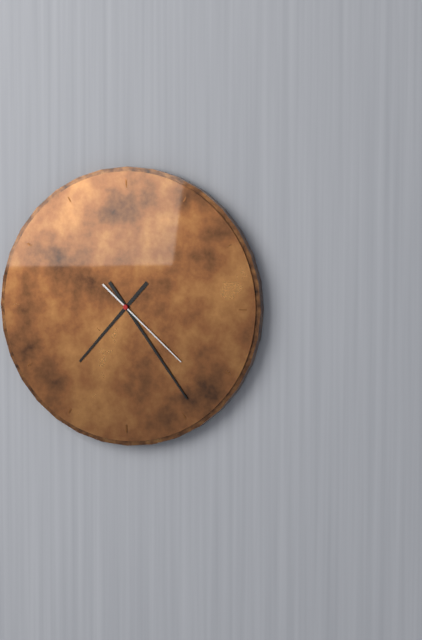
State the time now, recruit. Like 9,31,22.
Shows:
7,24,22
